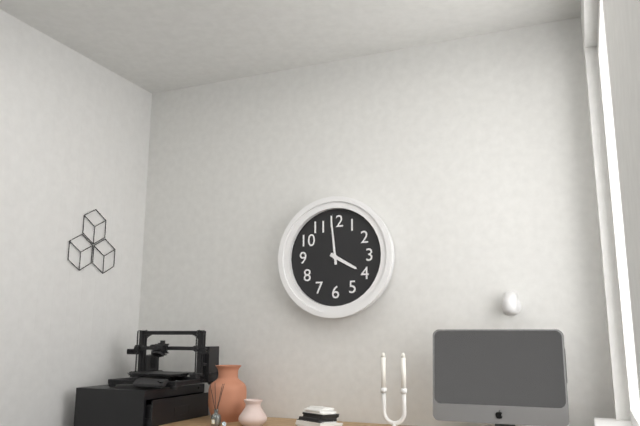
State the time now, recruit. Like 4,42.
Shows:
3,59
